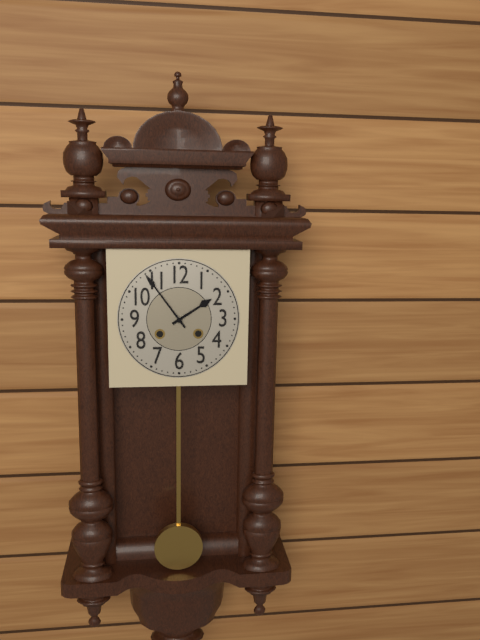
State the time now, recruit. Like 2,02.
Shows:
1,54
